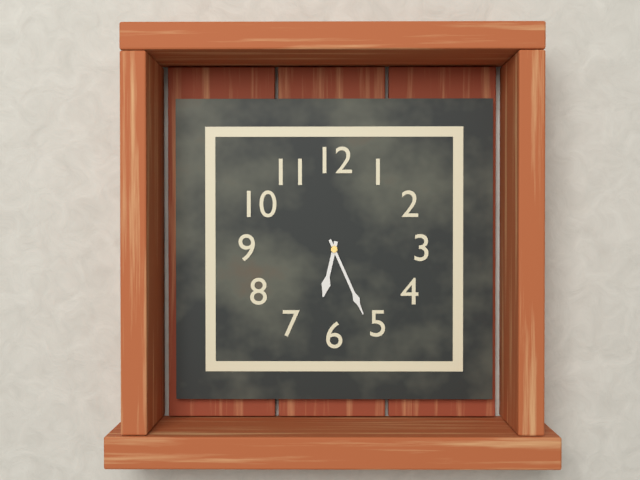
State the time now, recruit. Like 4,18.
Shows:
6,26
